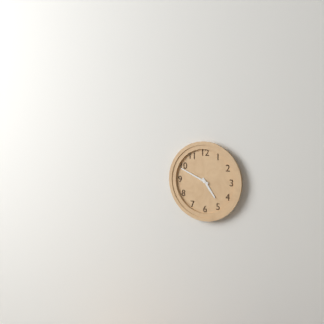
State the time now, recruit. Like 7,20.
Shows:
4,49
